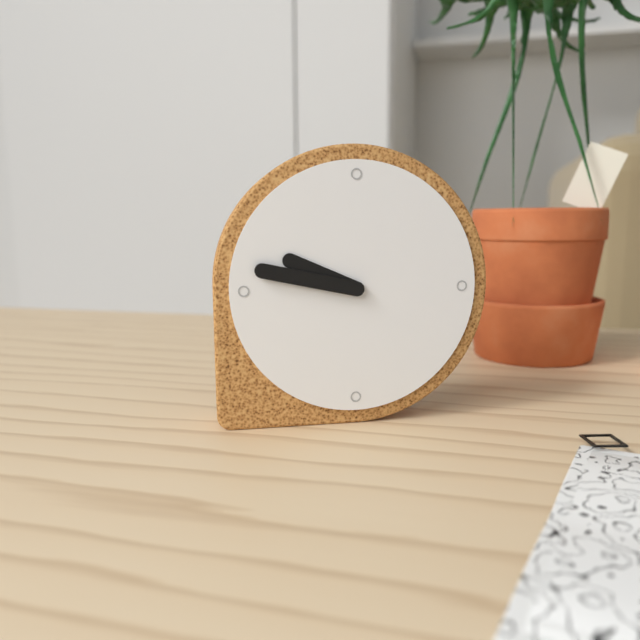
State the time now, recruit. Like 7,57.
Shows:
9,47
